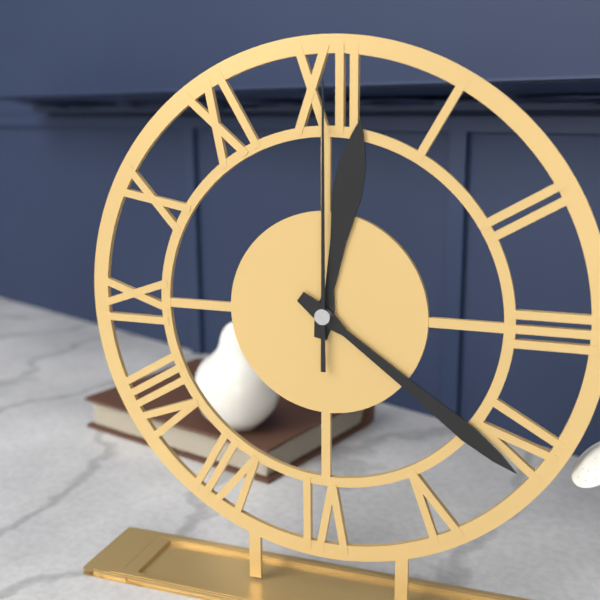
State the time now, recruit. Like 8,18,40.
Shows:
12,21,00
